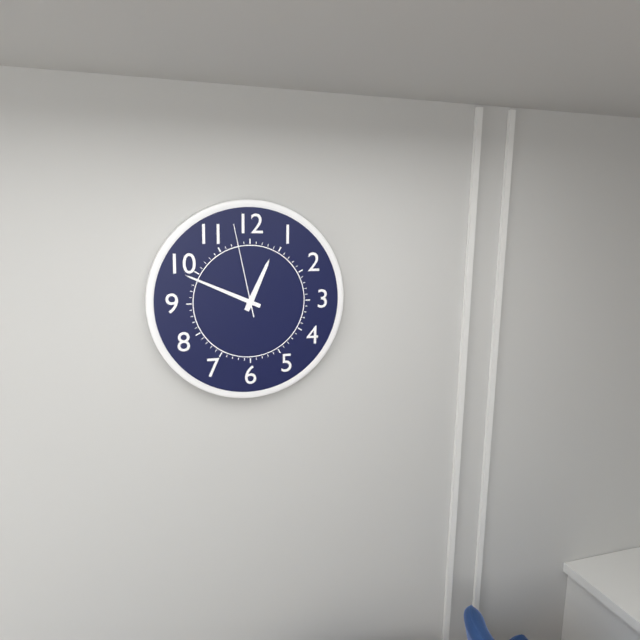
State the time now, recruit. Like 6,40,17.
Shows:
12,49,58
